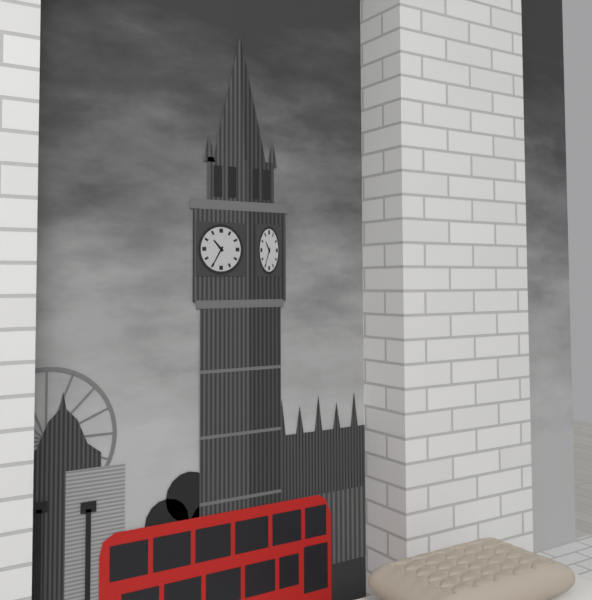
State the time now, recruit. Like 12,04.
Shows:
10,35
